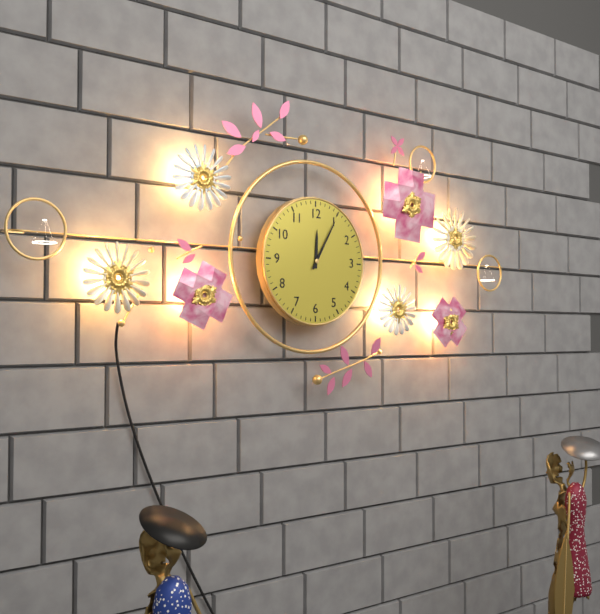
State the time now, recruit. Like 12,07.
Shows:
12,05
